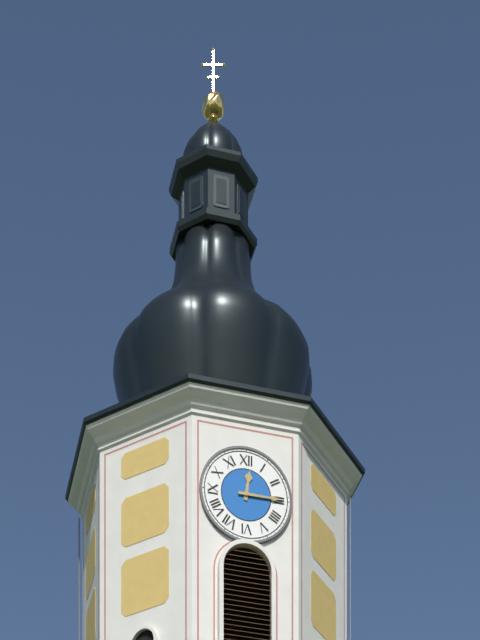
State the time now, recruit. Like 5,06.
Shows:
12,15
